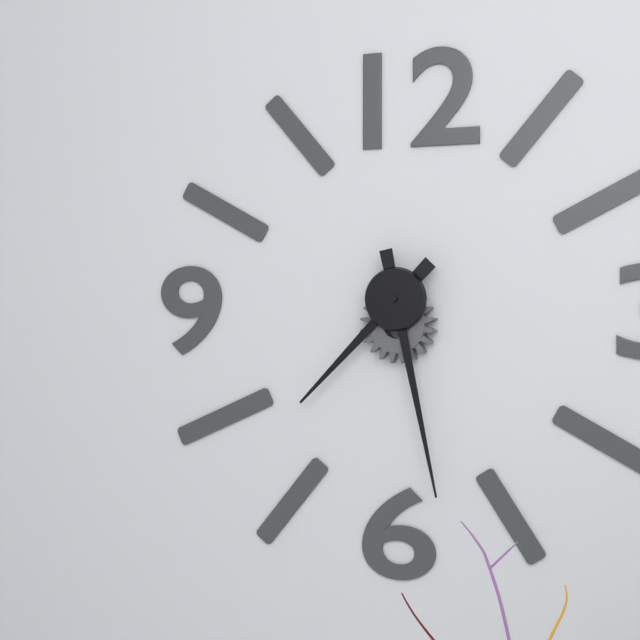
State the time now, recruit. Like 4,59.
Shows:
7,28
